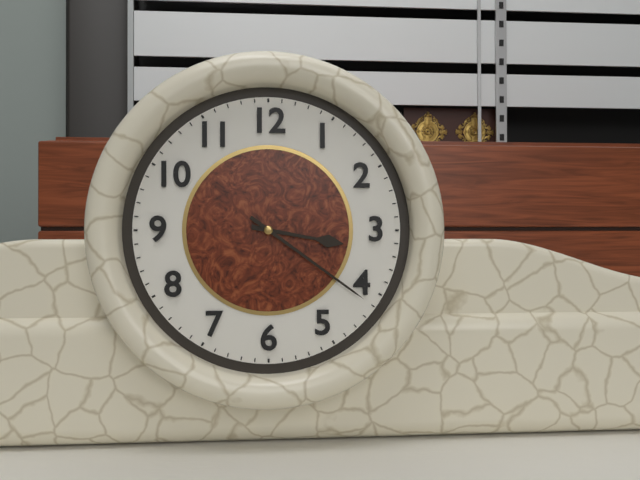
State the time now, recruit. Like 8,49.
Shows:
3,21
